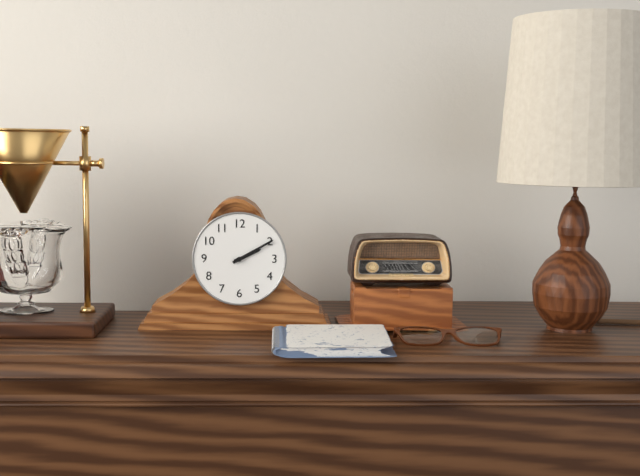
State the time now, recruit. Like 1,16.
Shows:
2,10
